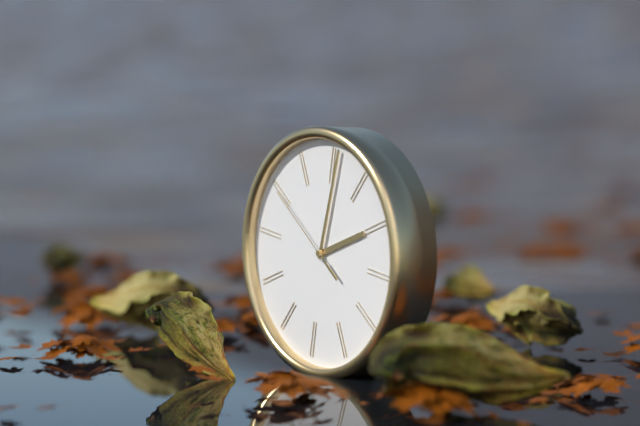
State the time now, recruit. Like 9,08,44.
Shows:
2,01,50
